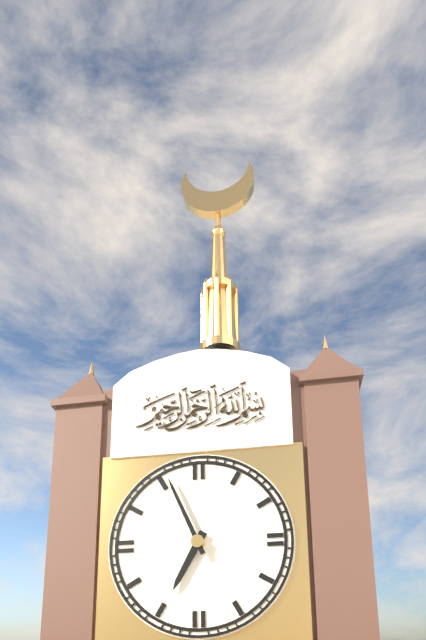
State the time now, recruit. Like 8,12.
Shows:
6,56
